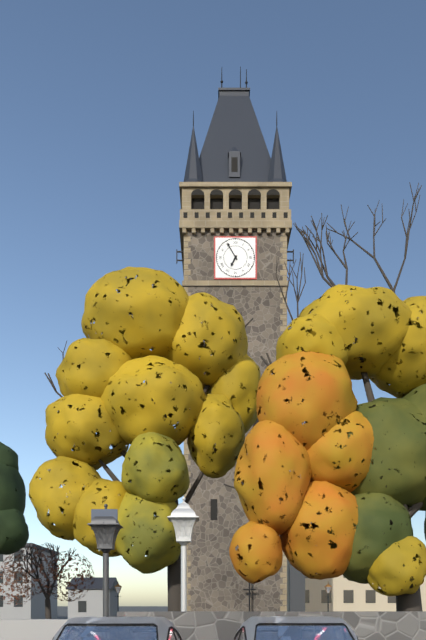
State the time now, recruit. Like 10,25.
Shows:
6,55
